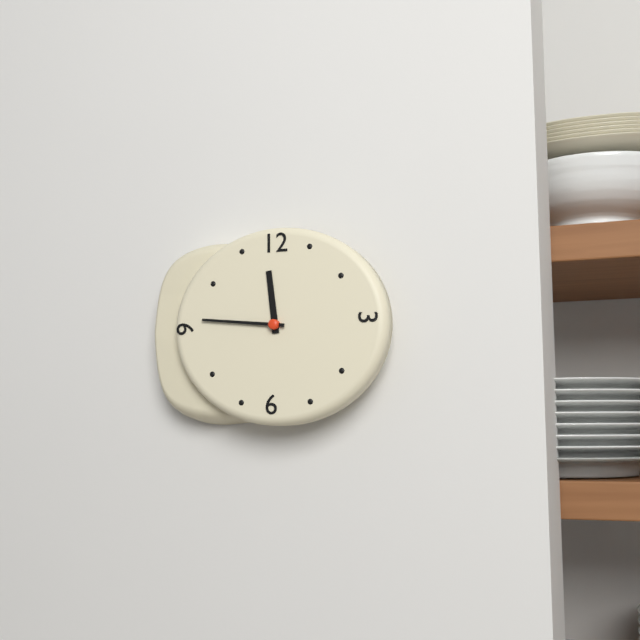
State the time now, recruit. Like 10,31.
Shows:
11,46
